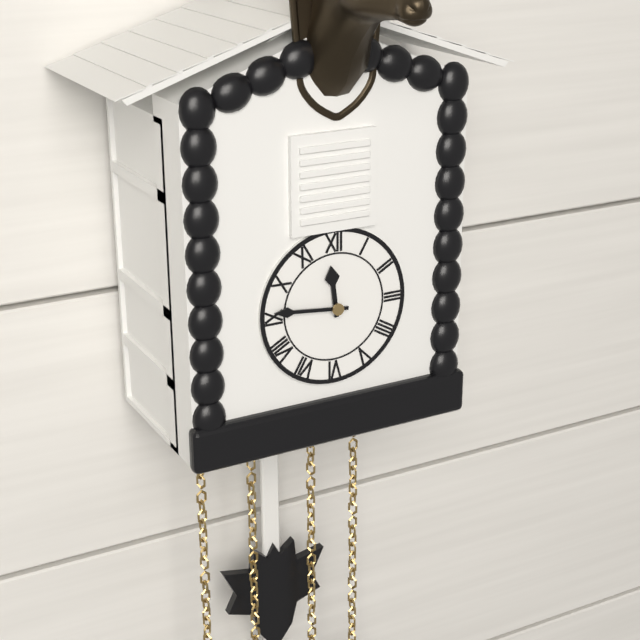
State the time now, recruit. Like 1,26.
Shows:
11,46
